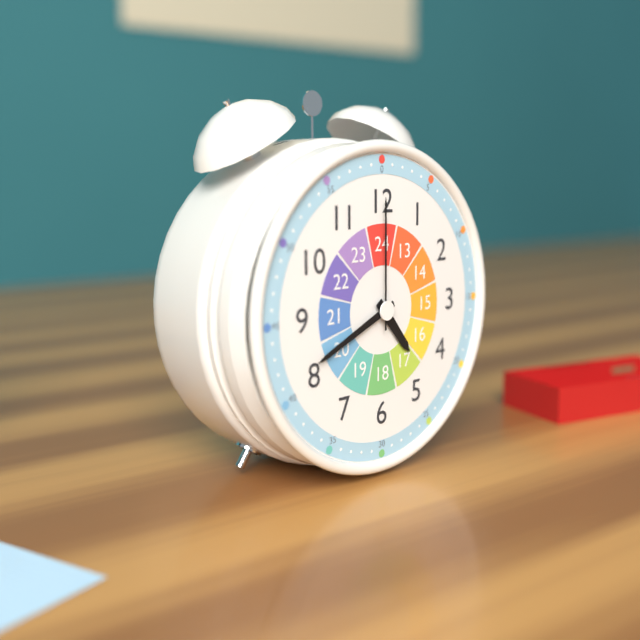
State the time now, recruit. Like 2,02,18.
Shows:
4,41,00
